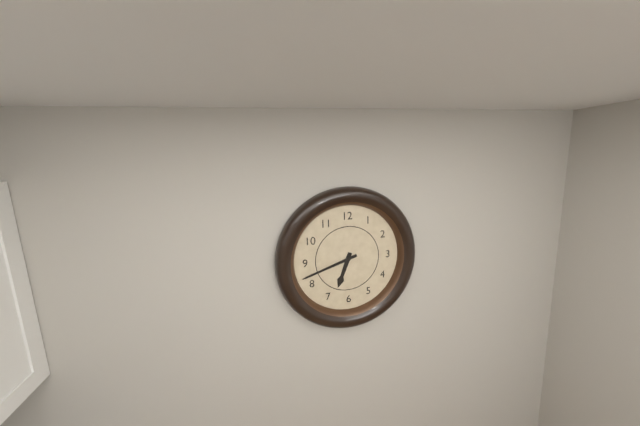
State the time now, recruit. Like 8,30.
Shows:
6,42
